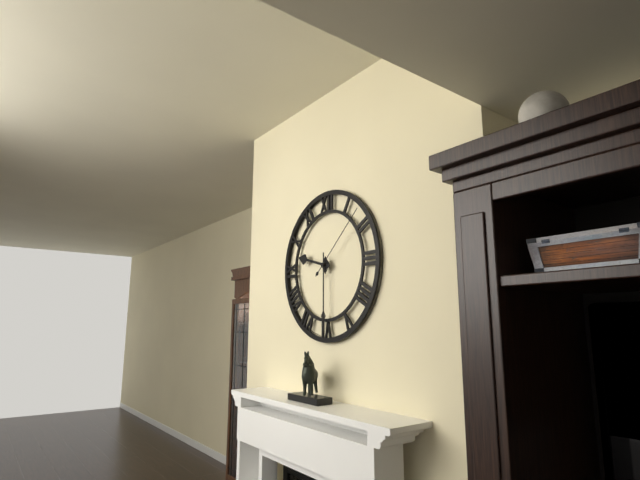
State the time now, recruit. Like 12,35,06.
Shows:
9,30,08
